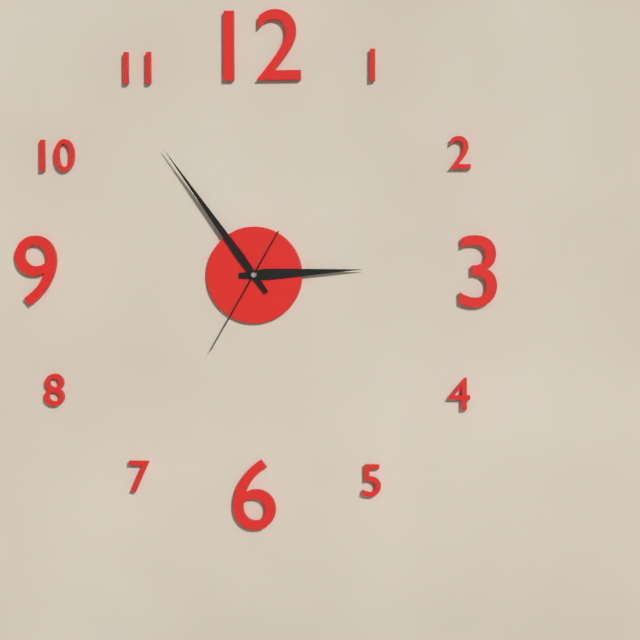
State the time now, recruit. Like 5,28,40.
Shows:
2,54,35
